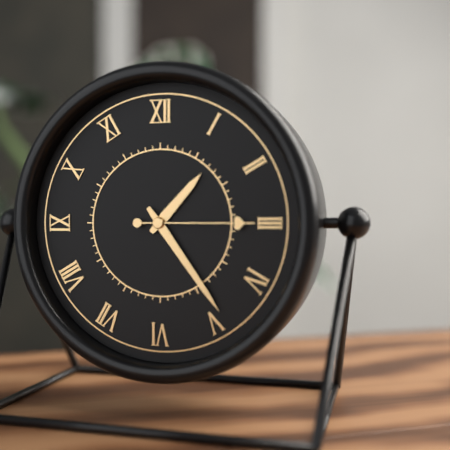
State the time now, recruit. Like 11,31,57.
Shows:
1,24,15
